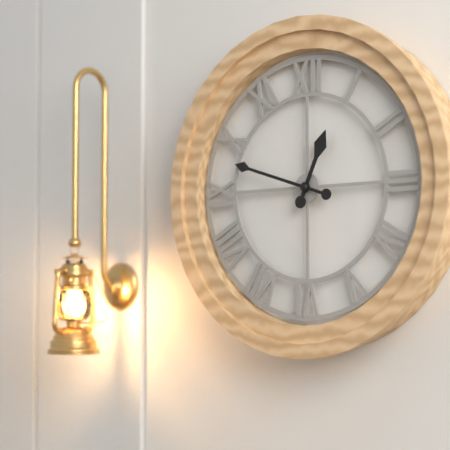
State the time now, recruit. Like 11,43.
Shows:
12,48
